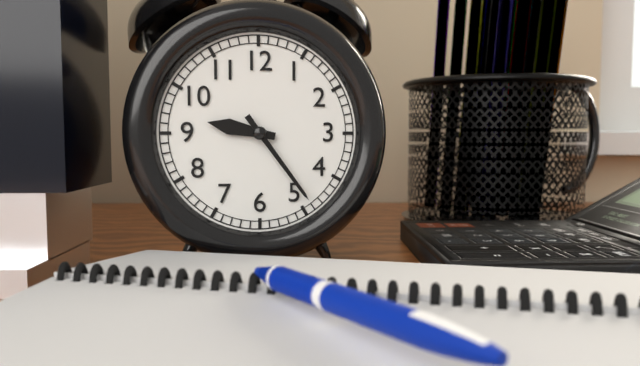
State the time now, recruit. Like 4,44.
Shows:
9,24
